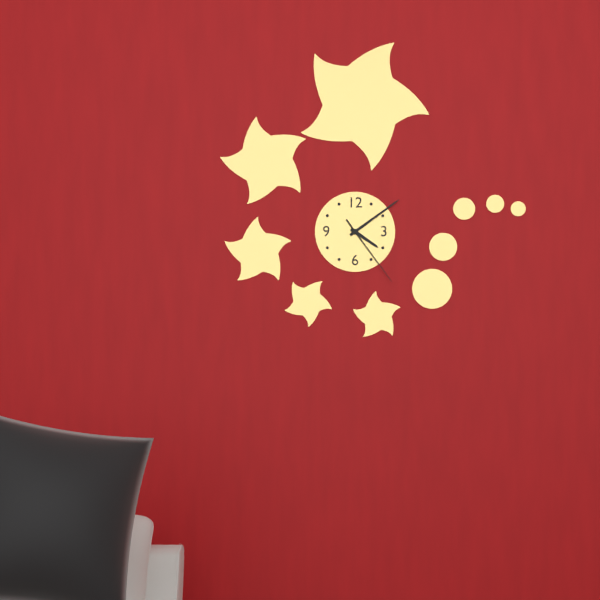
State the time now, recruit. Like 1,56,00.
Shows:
4,09,24
